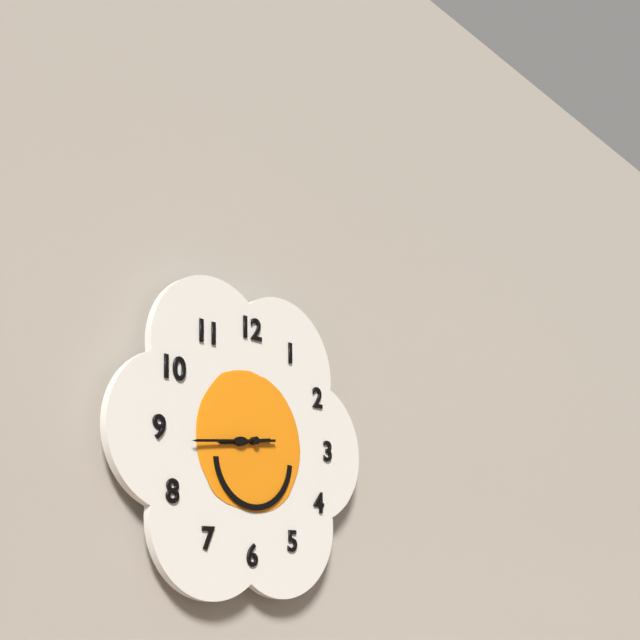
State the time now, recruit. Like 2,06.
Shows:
8,44
